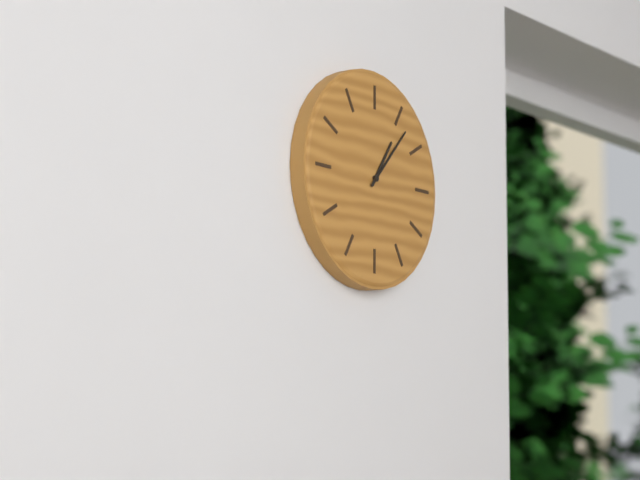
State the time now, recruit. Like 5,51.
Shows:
1,07
